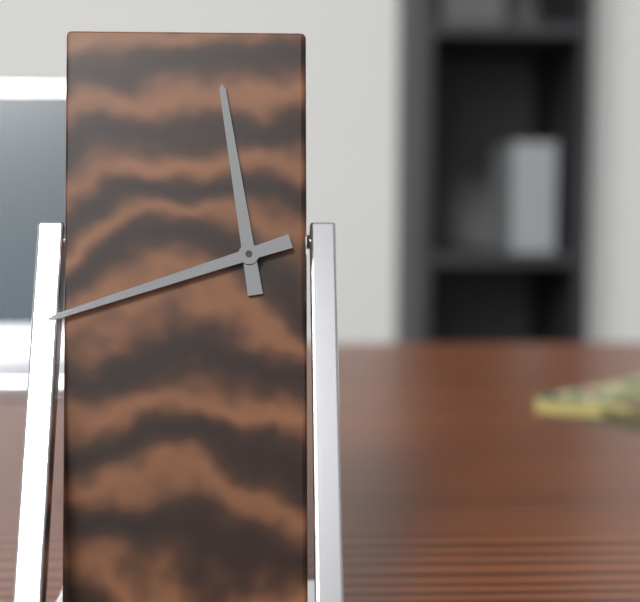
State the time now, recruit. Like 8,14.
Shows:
11,42
